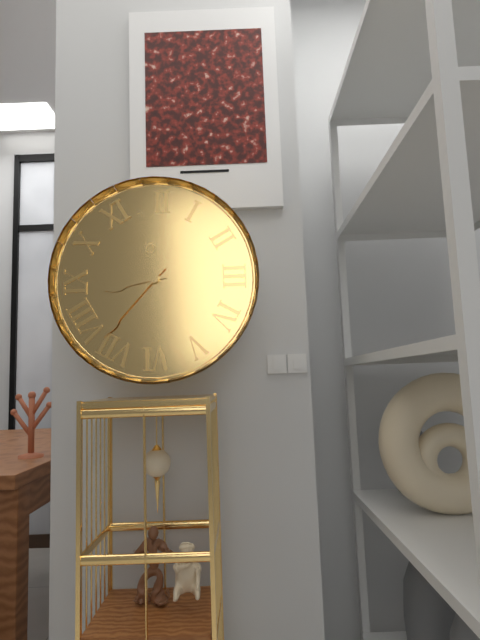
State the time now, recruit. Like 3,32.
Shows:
8,37
